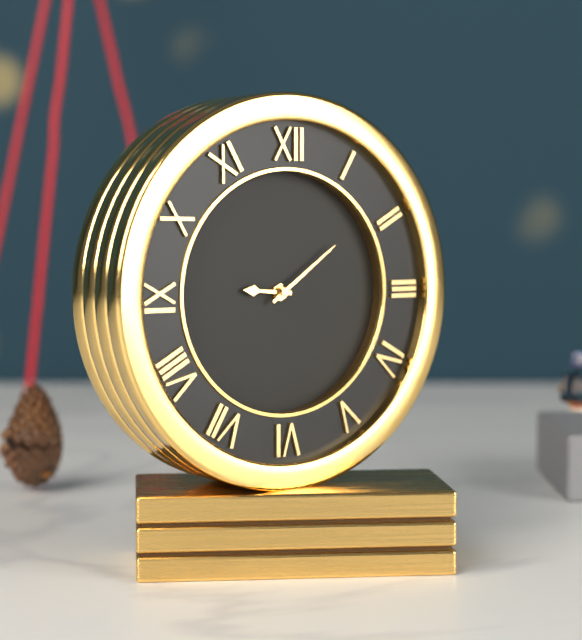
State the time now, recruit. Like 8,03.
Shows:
9,09
